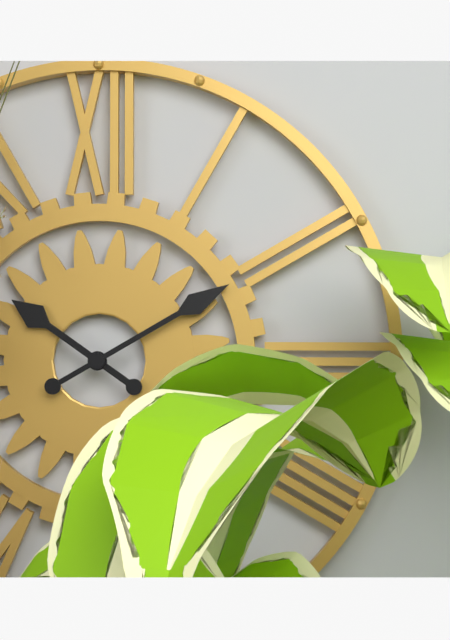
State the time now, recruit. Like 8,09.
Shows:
10,10
